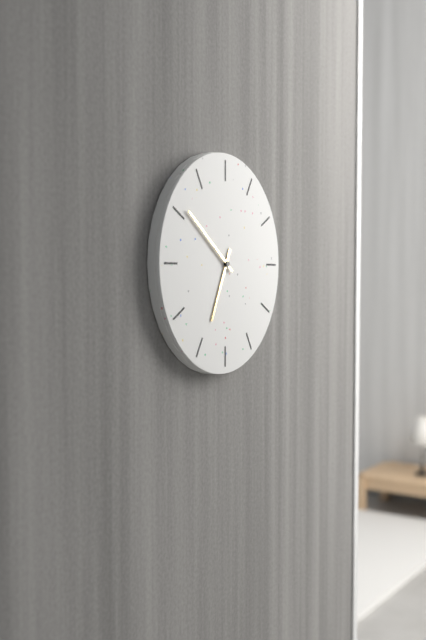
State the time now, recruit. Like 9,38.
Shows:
6,51
